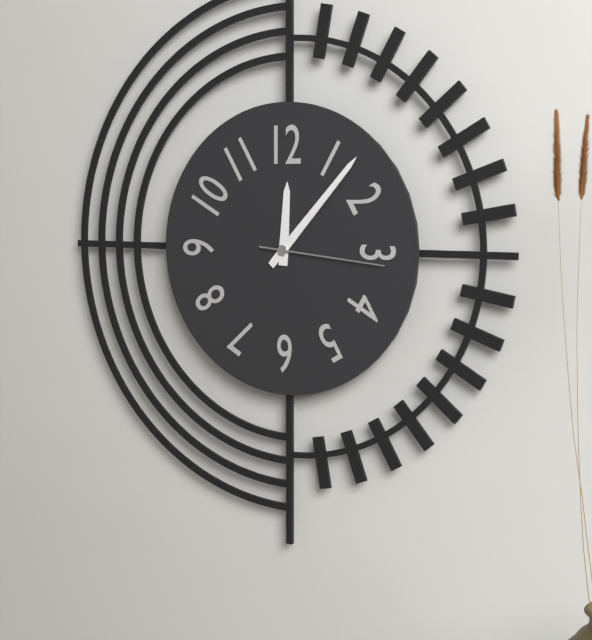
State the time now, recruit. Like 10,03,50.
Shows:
12,07,16
